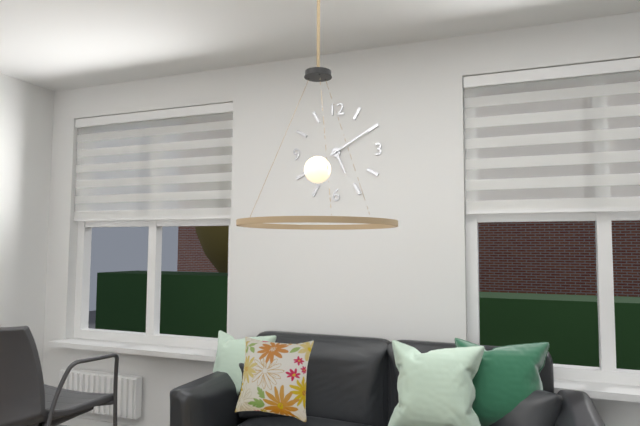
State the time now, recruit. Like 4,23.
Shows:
5,10
